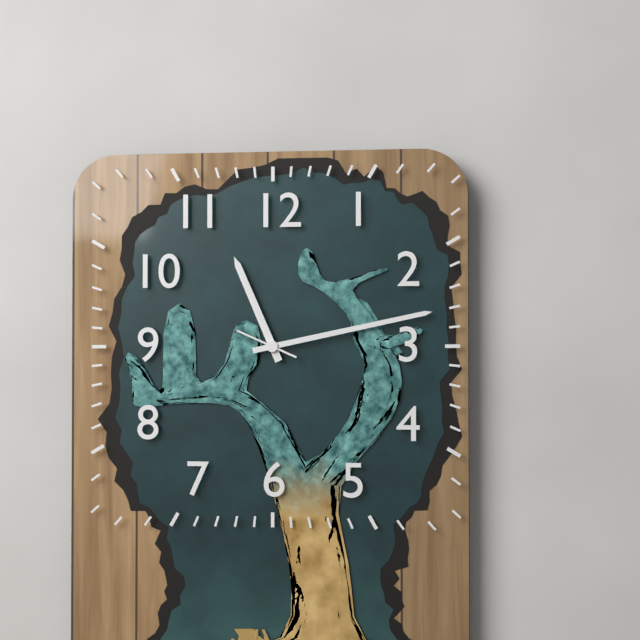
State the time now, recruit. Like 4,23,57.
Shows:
11,13,49
